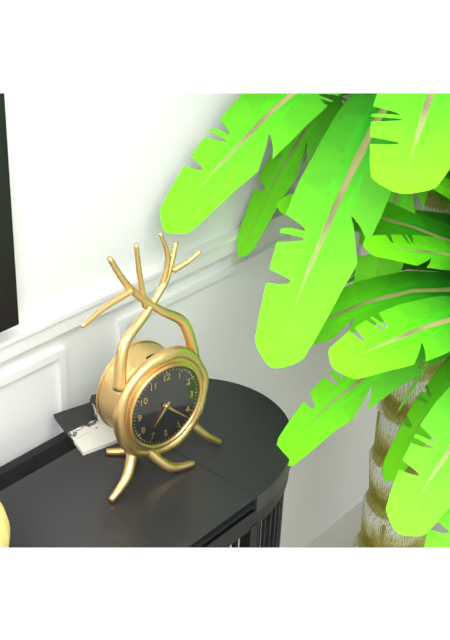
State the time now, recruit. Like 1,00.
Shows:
7,22
